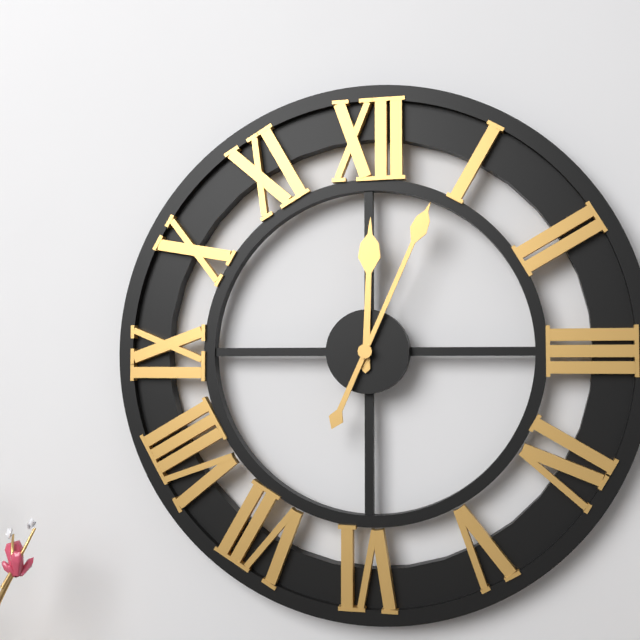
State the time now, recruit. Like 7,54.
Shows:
12,04
